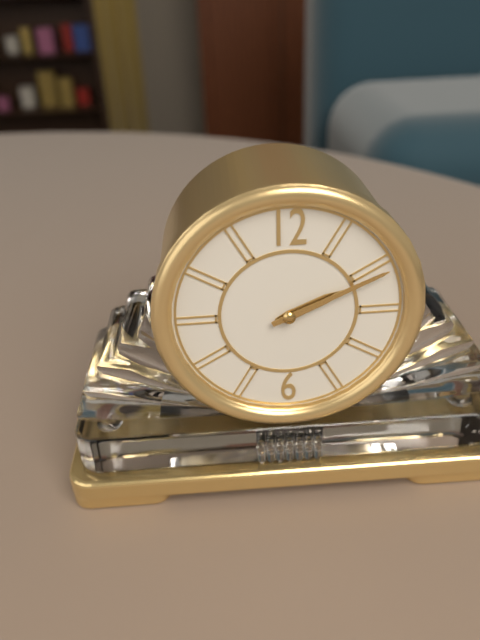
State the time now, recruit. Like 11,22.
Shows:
2,11
